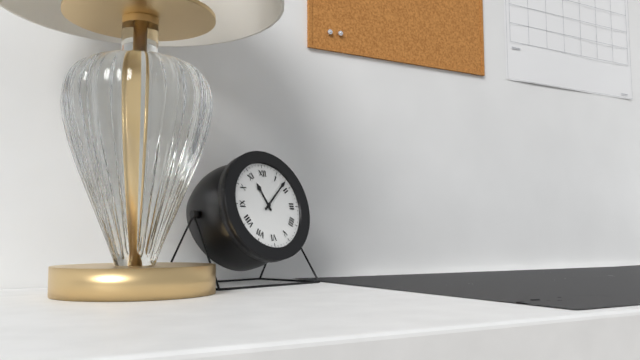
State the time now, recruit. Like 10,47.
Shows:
11,08
